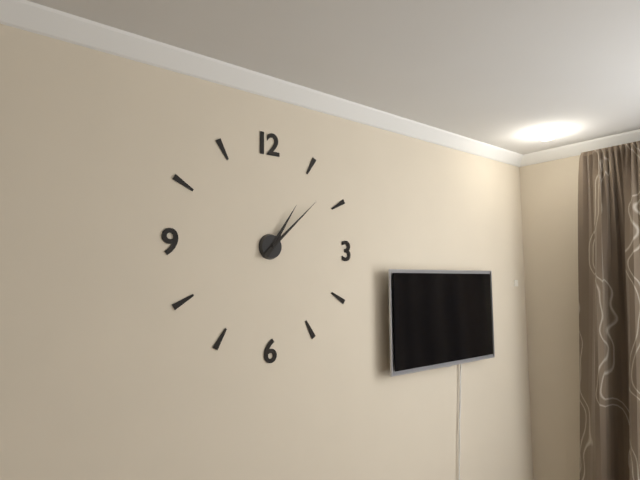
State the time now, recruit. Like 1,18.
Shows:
1,08
